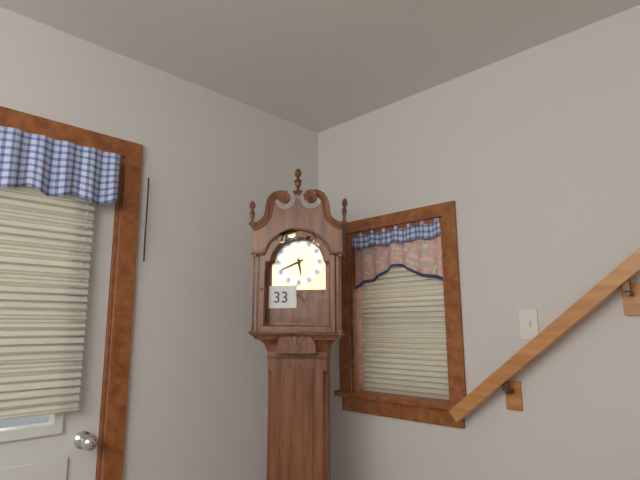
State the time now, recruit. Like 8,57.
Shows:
5,41
